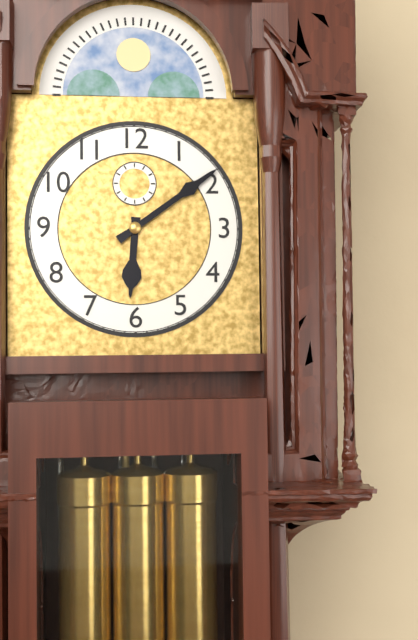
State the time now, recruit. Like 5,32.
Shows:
6,09
